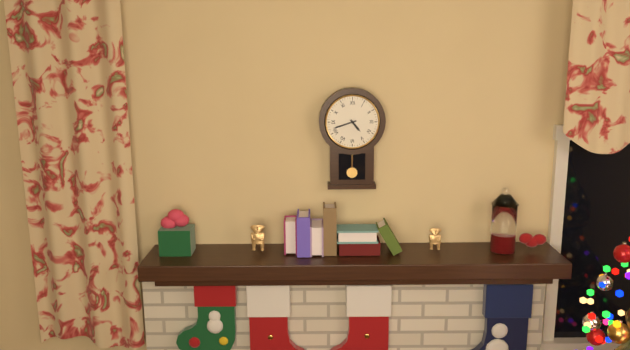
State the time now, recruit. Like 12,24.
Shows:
4,42
